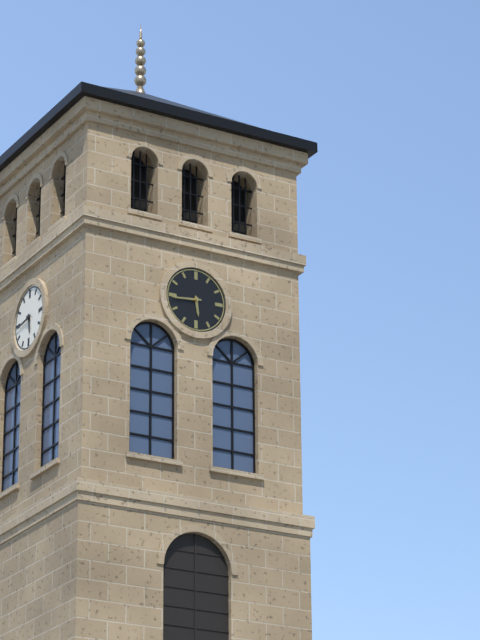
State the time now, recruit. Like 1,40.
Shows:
5,44
